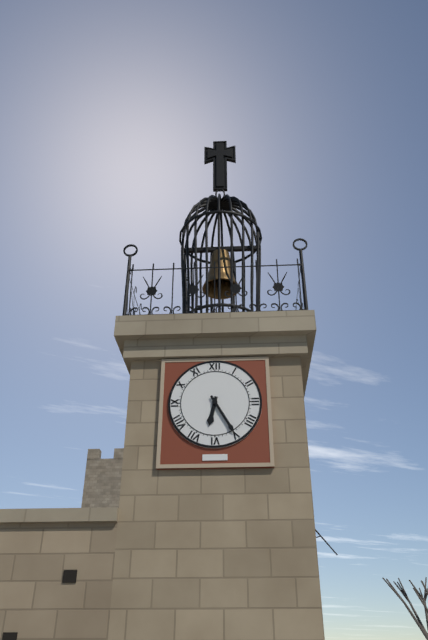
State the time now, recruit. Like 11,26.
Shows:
6,25
